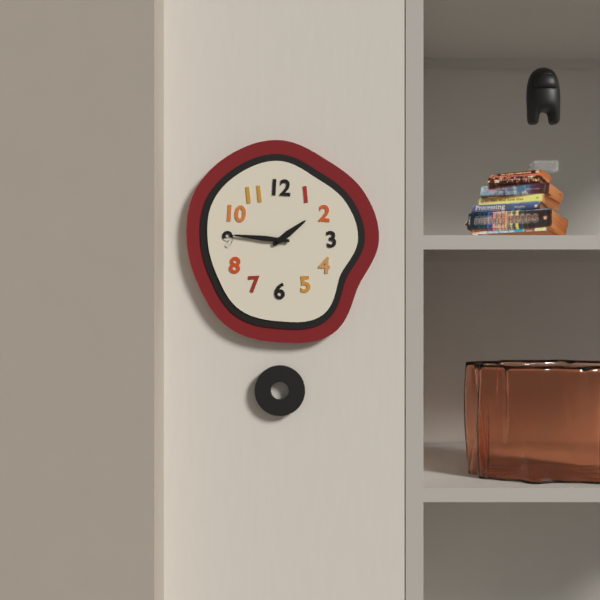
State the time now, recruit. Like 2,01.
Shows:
1,46
